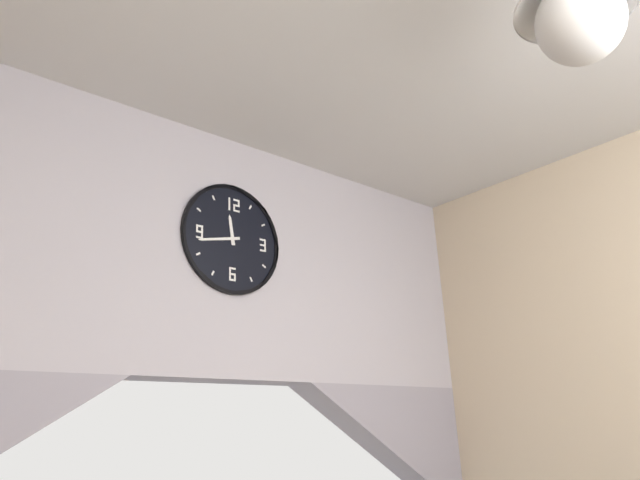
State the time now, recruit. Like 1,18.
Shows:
11,43
